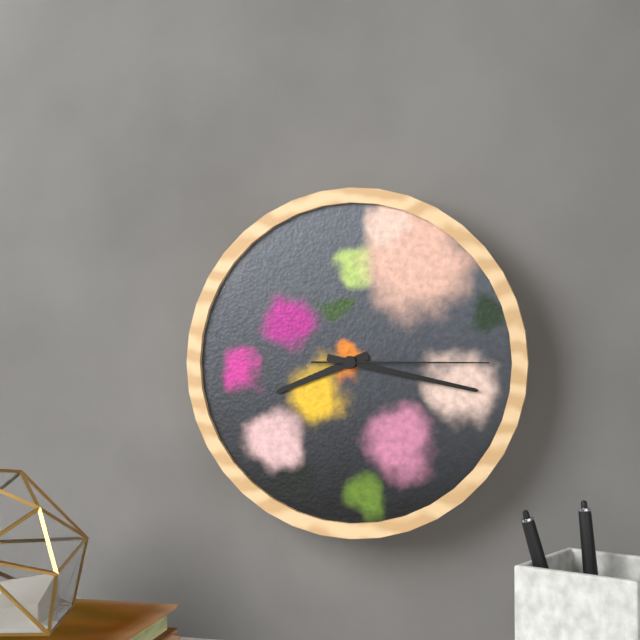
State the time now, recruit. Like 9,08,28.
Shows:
8,17,15
